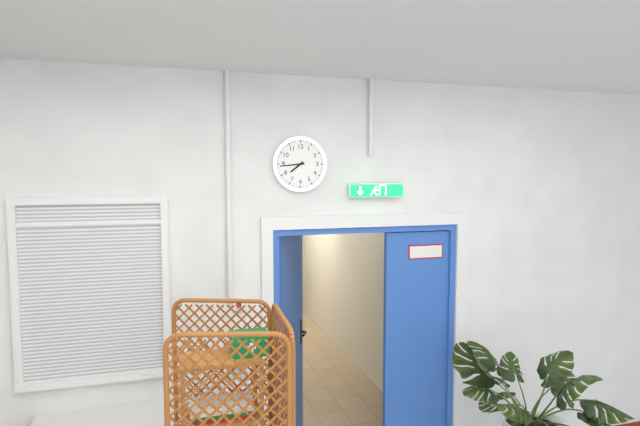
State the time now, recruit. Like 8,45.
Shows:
7,44
